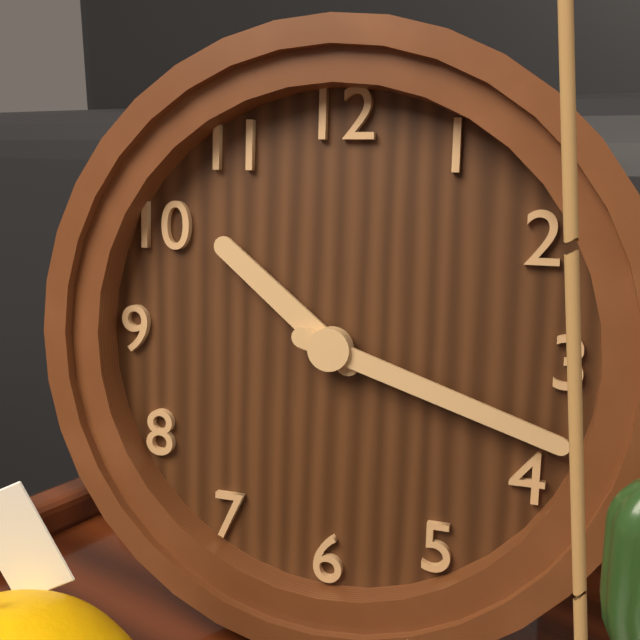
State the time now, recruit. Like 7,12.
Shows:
10,18
